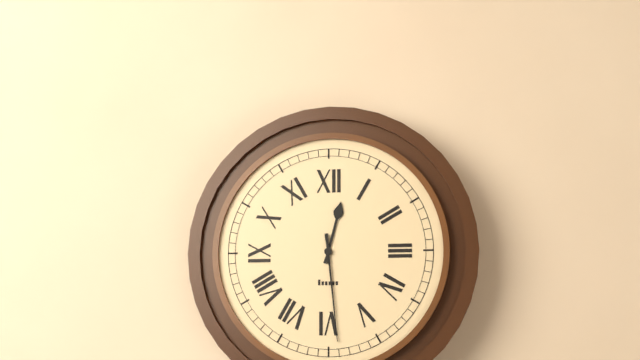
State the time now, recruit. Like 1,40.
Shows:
12,29
